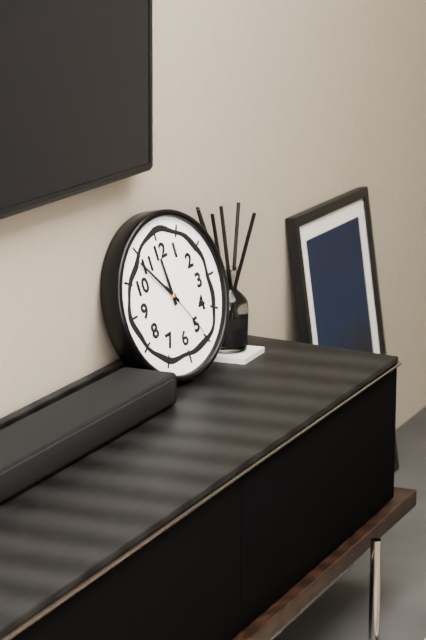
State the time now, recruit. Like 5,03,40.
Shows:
11,54,25
